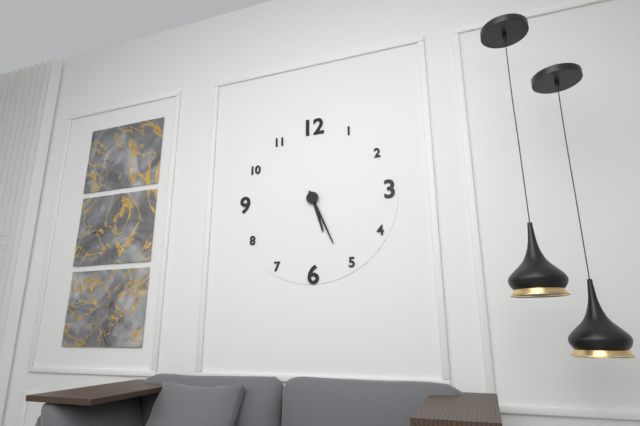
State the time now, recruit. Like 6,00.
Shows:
5,26
